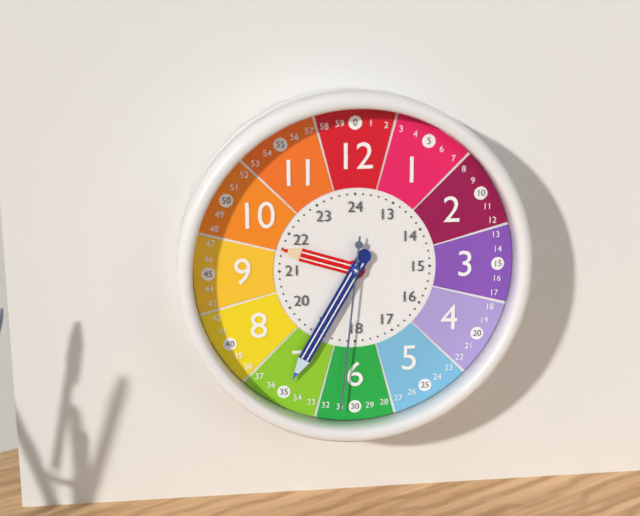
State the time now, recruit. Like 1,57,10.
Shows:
9,35,31
